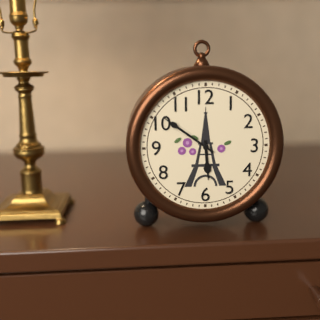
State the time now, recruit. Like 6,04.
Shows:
5,51
